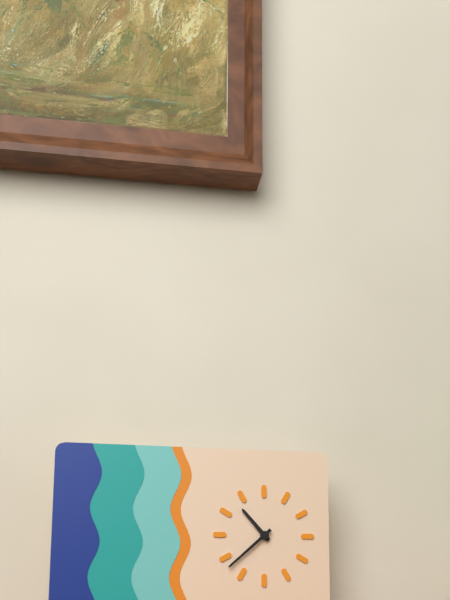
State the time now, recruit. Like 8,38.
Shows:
10,38
